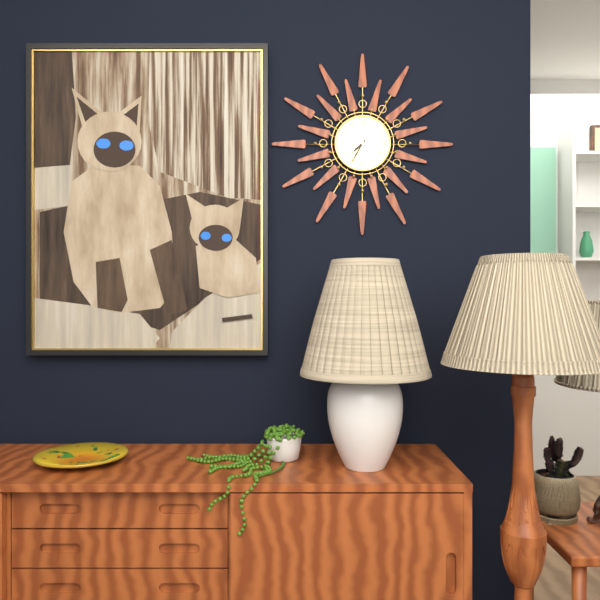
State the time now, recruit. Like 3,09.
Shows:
7,35
